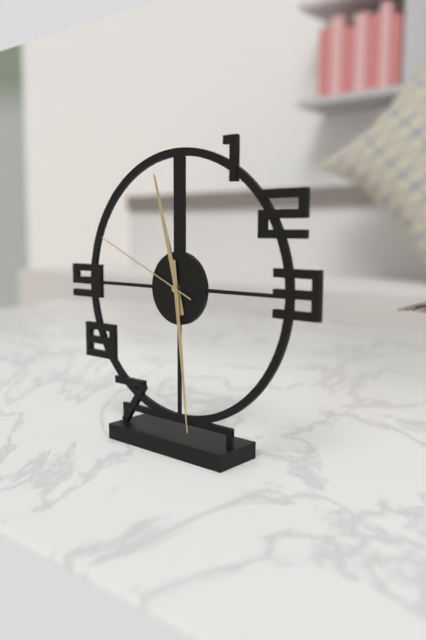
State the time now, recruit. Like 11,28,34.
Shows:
11,29,49
